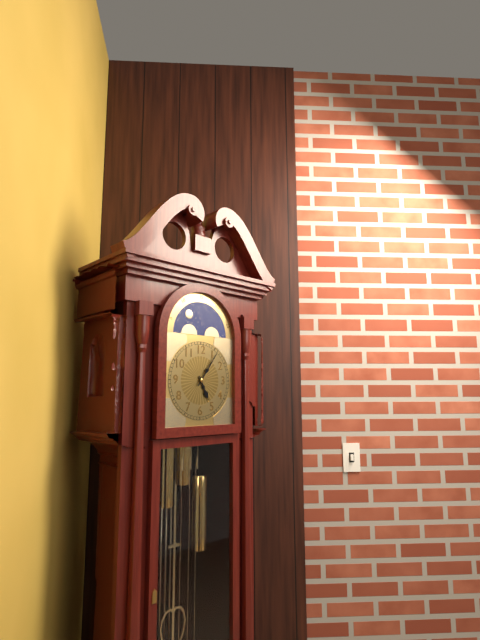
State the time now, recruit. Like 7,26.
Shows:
5,06
